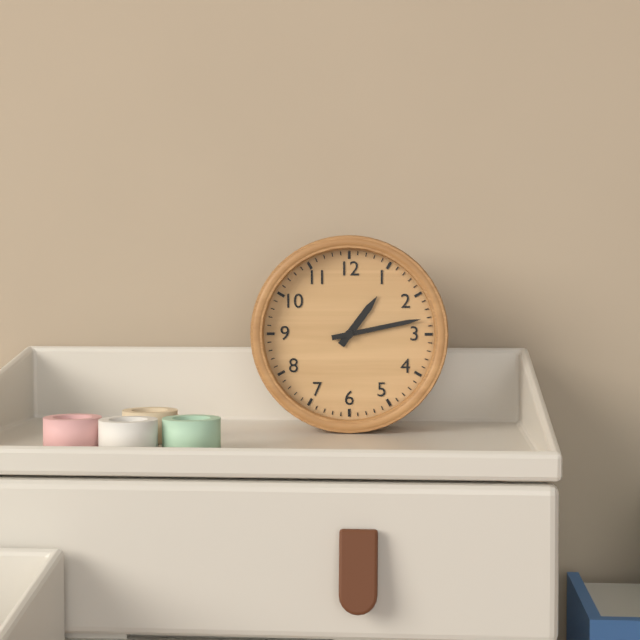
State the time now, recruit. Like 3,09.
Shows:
1,13
